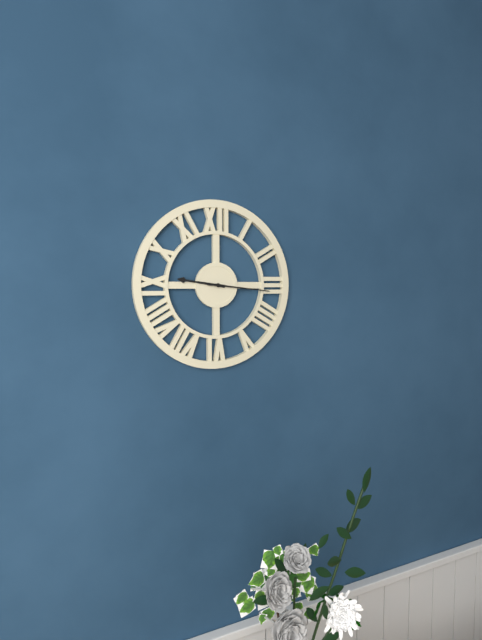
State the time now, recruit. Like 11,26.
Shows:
9,16
